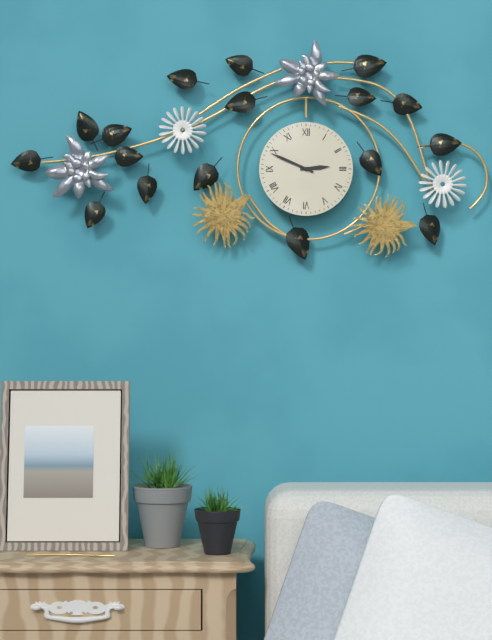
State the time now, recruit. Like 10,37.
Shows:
2,49
